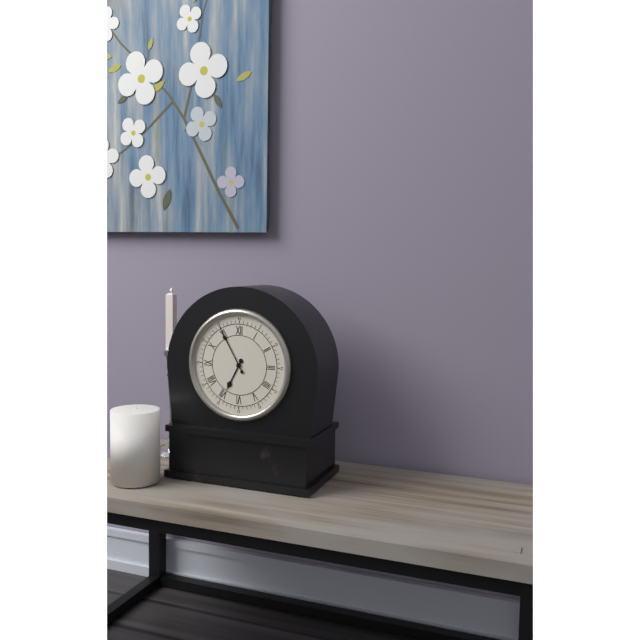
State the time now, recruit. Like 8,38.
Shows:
6,55
